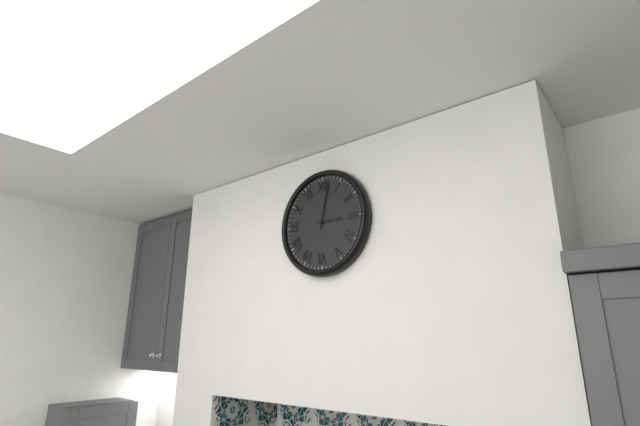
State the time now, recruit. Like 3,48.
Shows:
3,02
